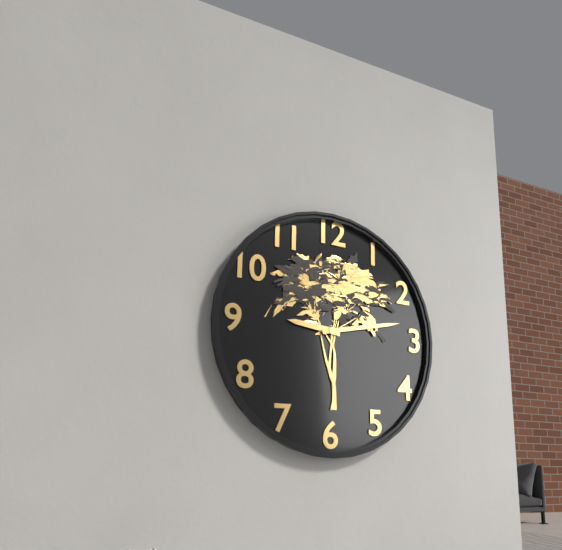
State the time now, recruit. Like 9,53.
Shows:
9,13
